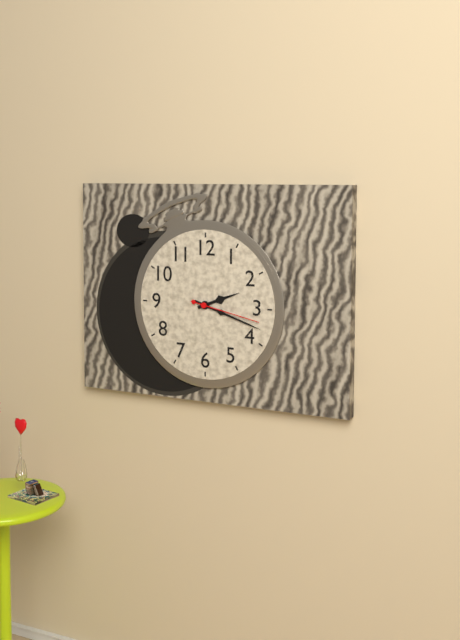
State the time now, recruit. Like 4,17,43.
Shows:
2,18,17
